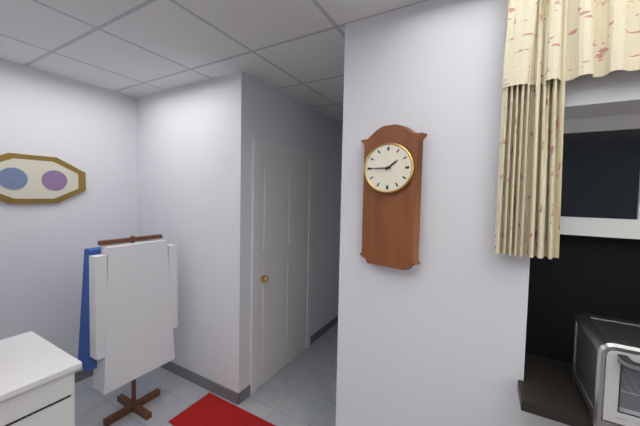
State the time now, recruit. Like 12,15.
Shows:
1,45
